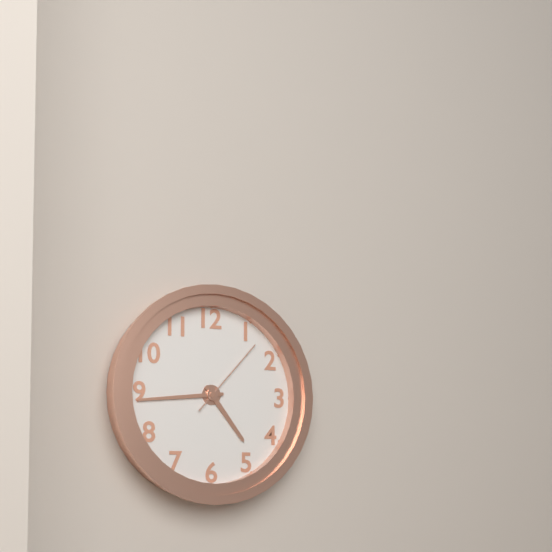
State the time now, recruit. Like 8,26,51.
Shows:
4,44,07
